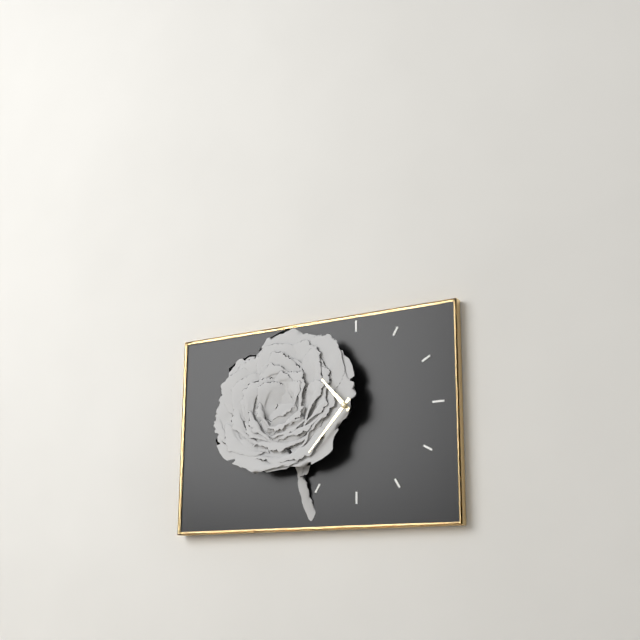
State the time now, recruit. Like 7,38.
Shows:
10,37
